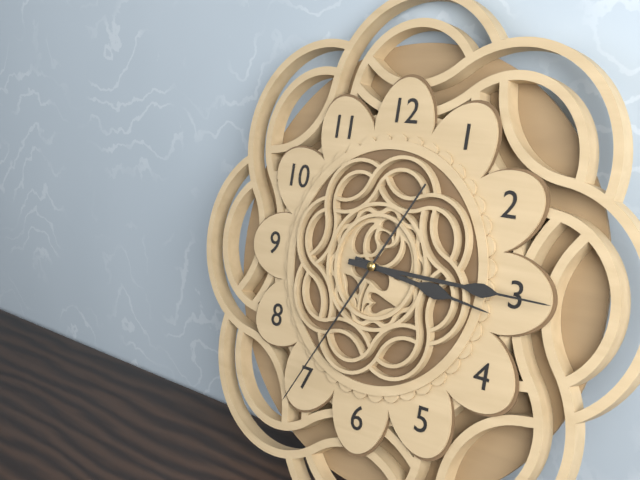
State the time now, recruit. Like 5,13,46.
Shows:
3,15,35
